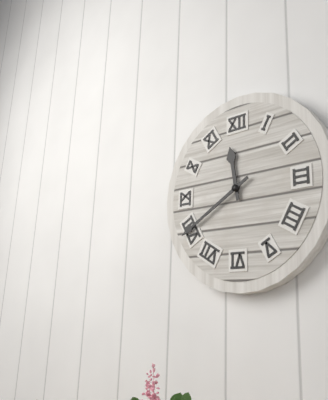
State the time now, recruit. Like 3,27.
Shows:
11,40
